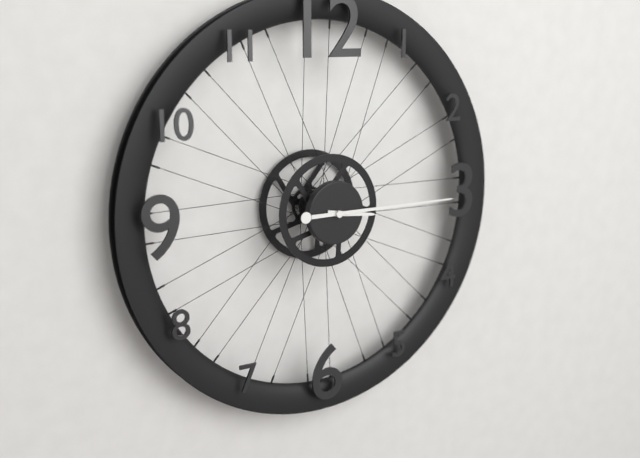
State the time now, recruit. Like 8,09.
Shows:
3,15
